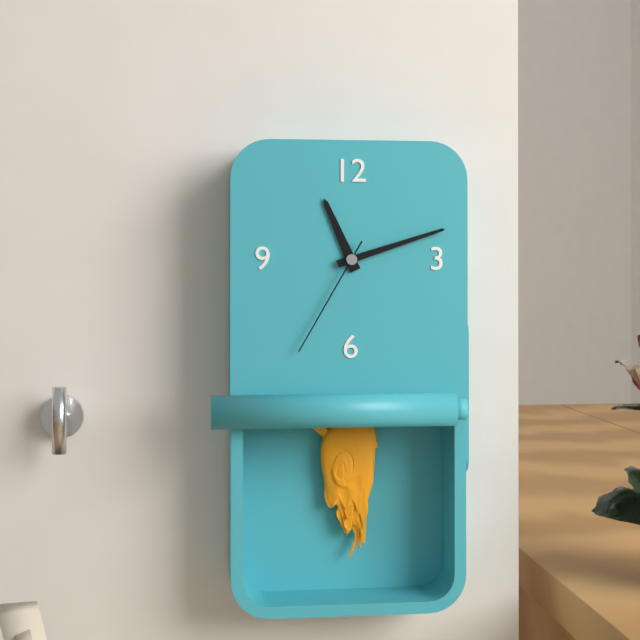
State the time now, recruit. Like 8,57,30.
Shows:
11,12,35
